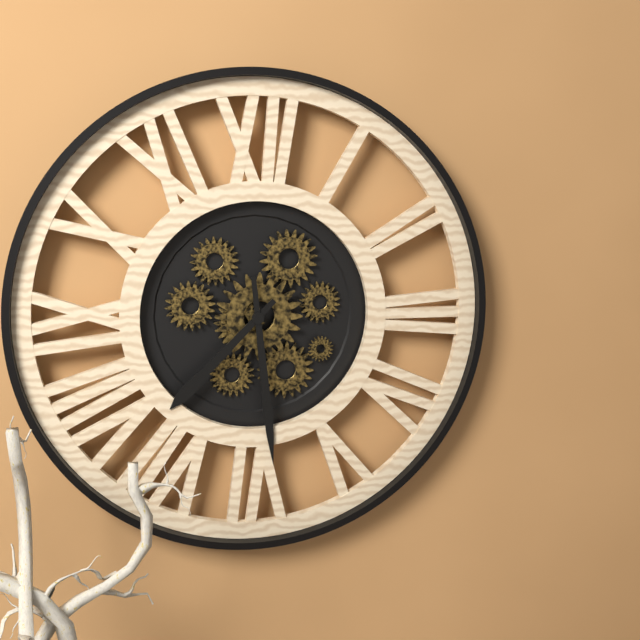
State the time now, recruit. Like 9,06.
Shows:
7,29
